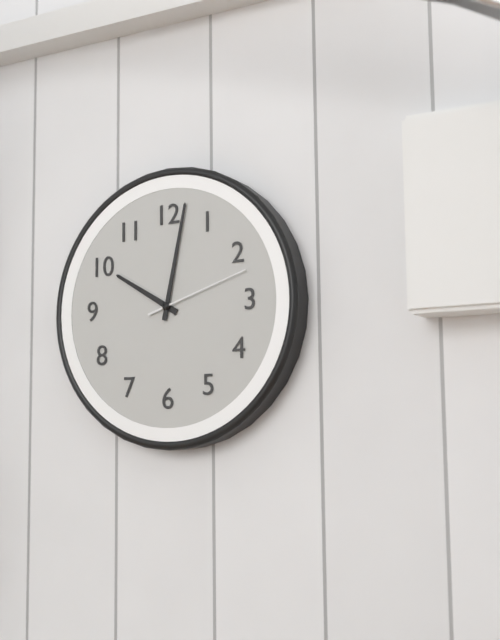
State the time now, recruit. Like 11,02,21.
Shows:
10,02,12
